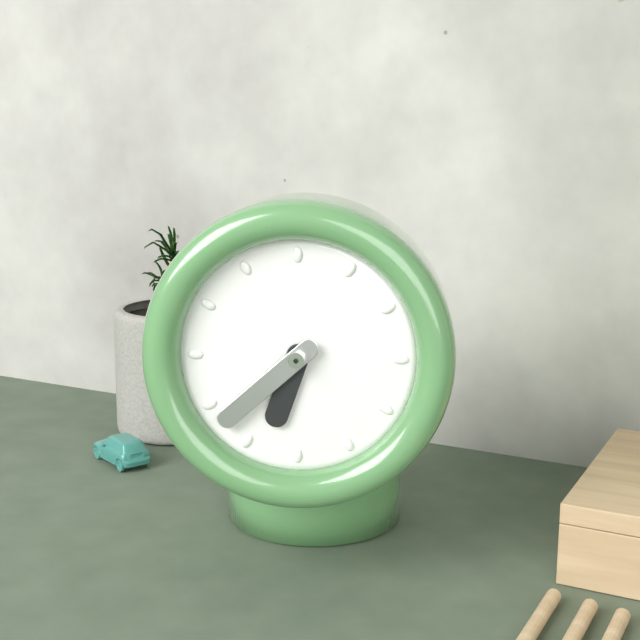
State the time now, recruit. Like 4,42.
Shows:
6,38
